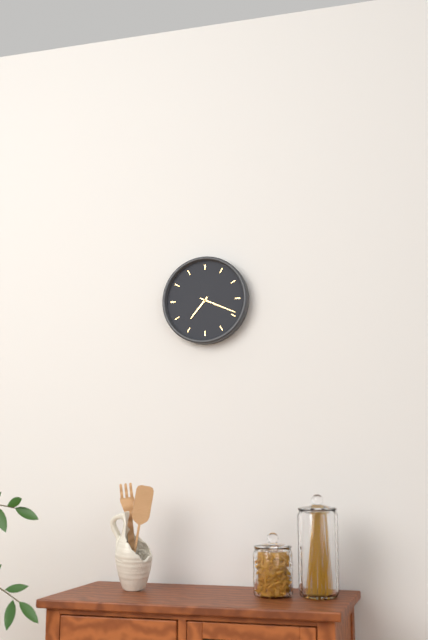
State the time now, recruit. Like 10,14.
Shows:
7,19
